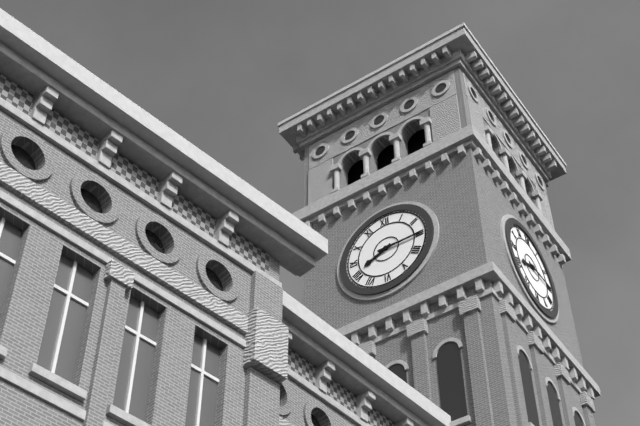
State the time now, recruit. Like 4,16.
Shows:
8,15
